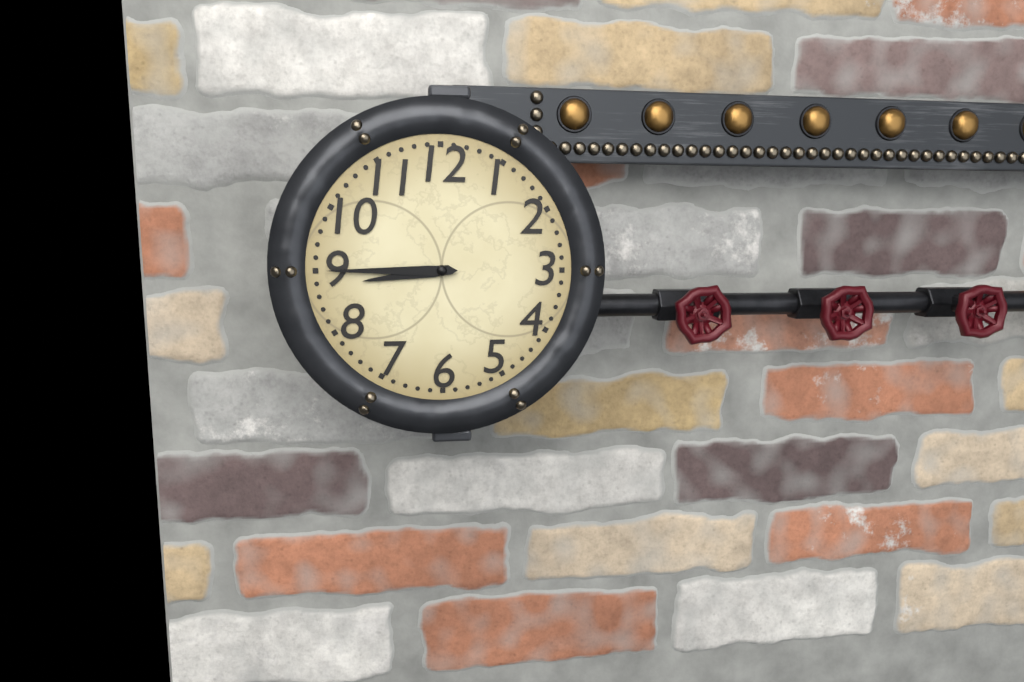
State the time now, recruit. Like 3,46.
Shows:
8,45
